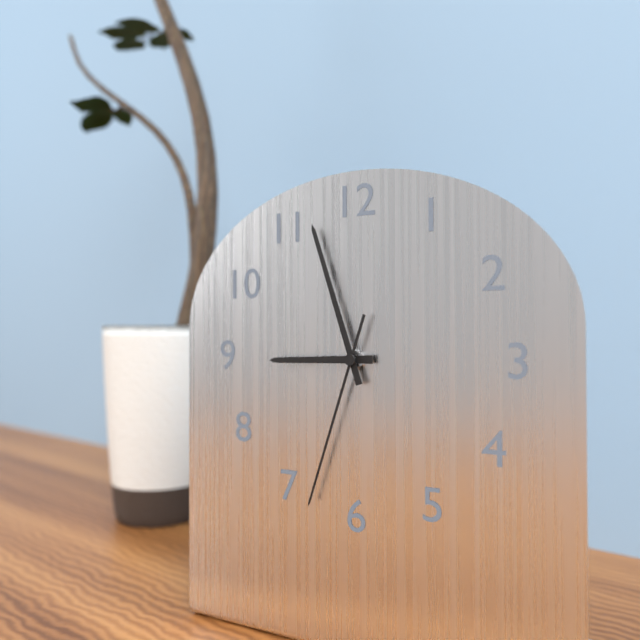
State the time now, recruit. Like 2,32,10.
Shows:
8,57,33
